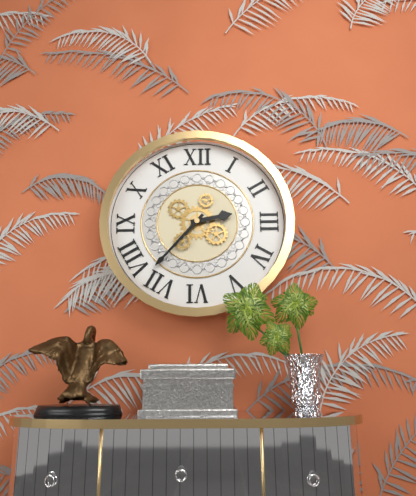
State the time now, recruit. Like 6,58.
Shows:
2,37
